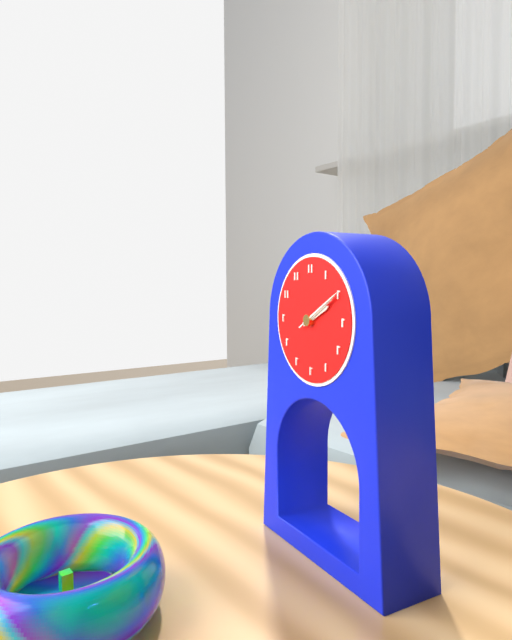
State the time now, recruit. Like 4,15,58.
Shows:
2,10,10
